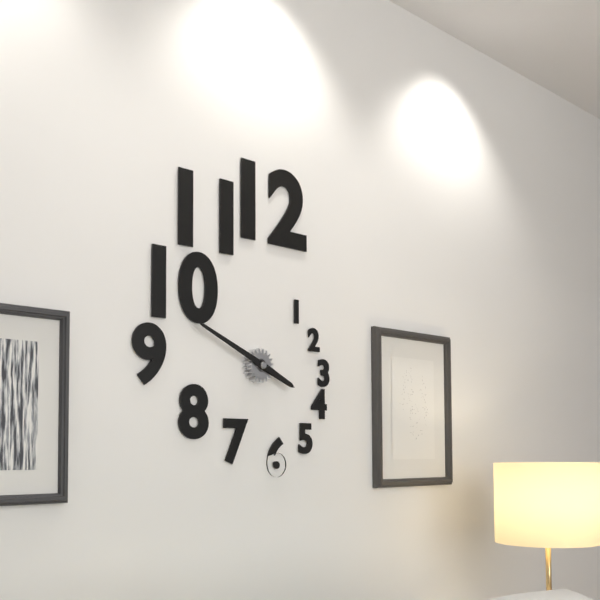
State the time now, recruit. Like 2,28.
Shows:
3,49
